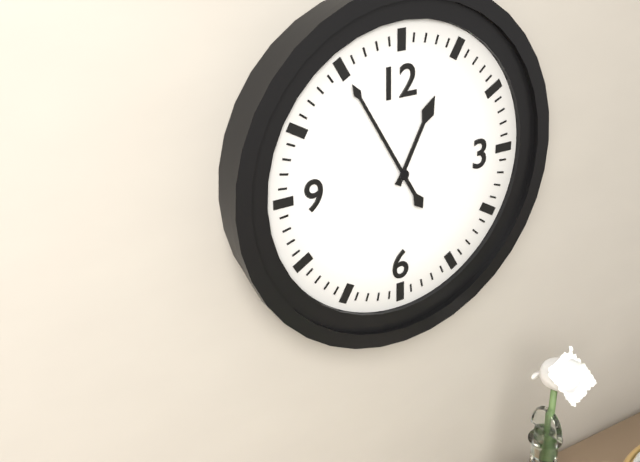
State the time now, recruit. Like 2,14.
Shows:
12,55
